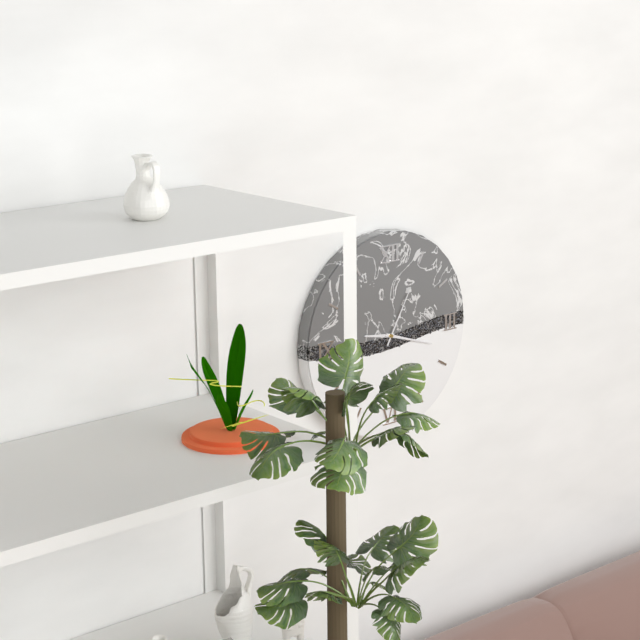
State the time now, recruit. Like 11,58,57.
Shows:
9,18,05
